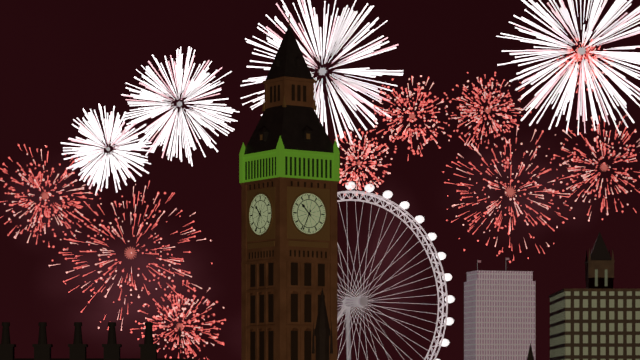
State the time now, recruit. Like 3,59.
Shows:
10,34
